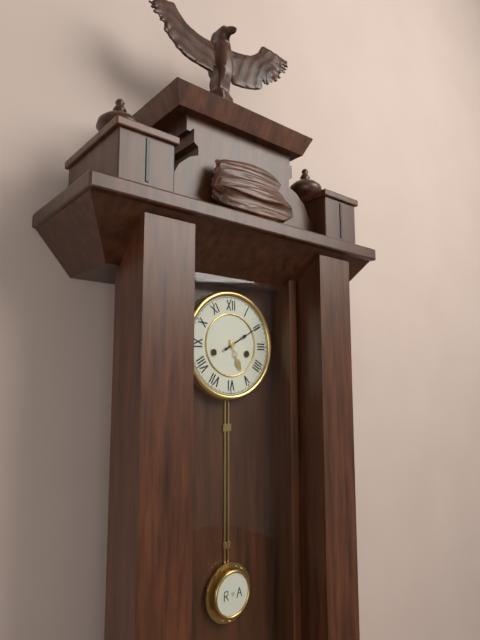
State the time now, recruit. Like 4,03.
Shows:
5,10
